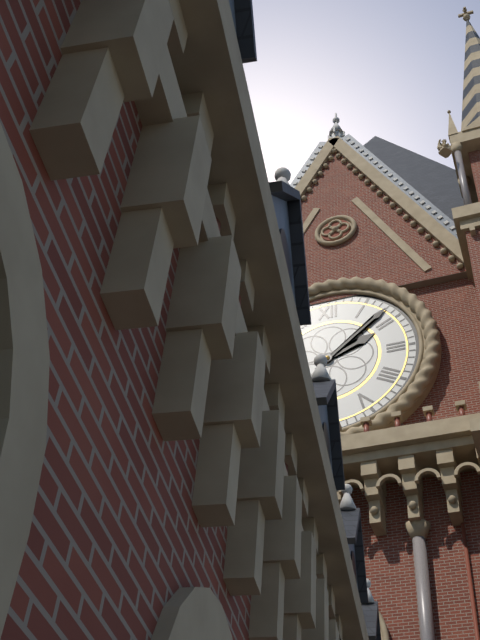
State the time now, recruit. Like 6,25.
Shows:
2,08
